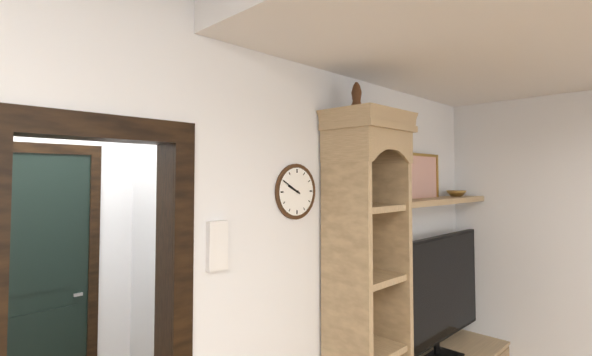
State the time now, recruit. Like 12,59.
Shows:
9,50
